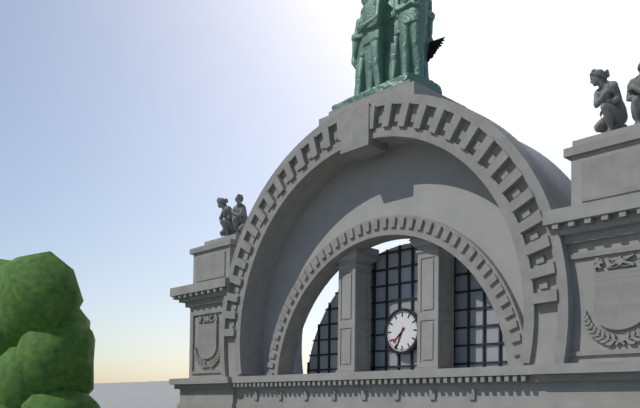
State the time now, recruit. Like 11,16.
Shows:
7,34
